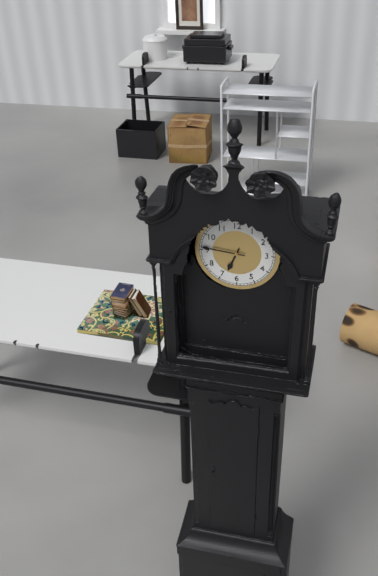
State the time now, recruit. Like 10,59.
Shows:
6,46
